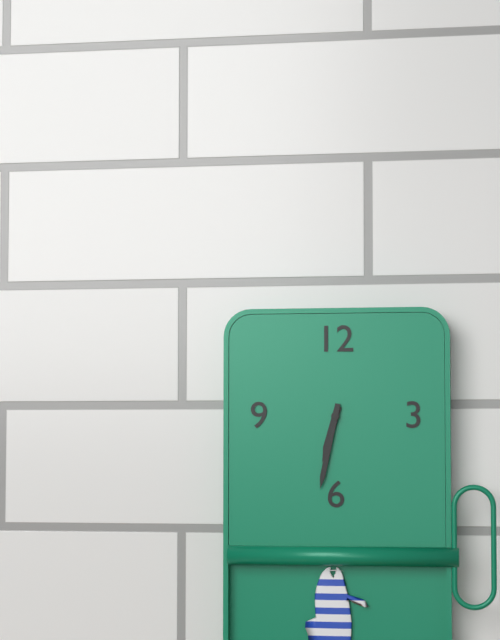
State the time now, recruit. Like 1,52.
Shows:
6,32
